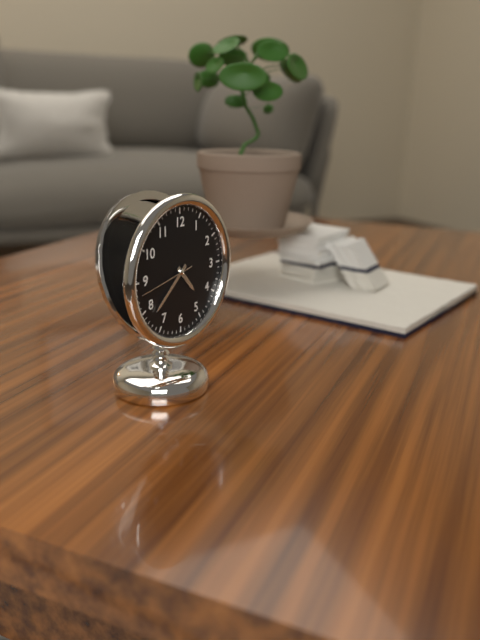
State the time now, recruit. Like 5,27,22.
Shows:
4,38,43
